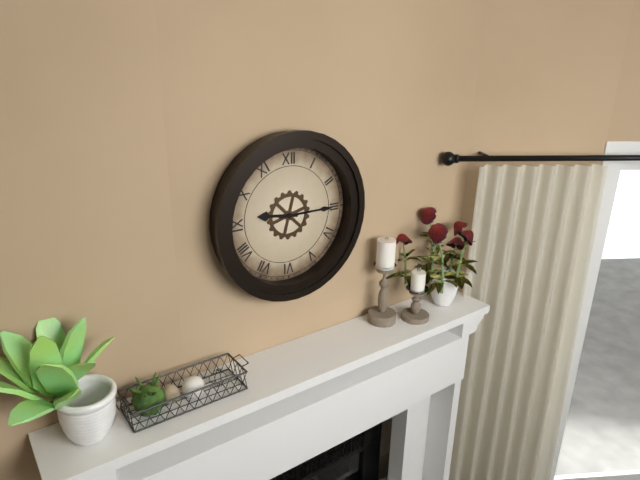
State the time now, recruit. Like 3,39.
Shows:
9,15
